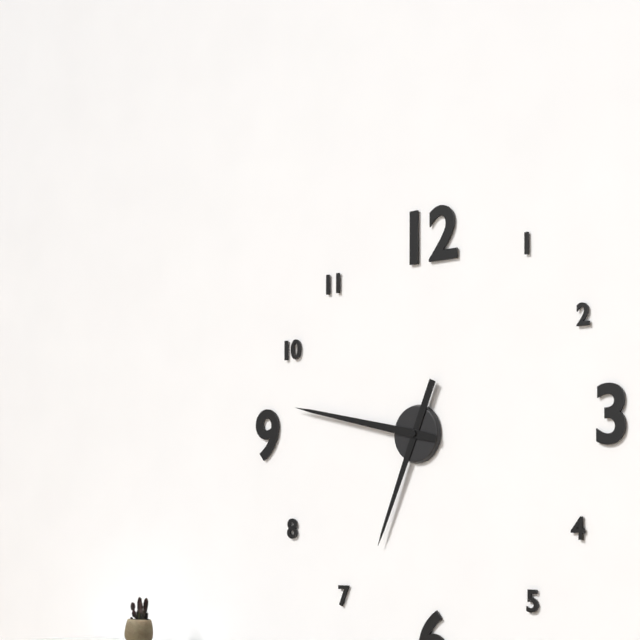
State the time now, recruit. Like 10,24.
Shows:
6,47
